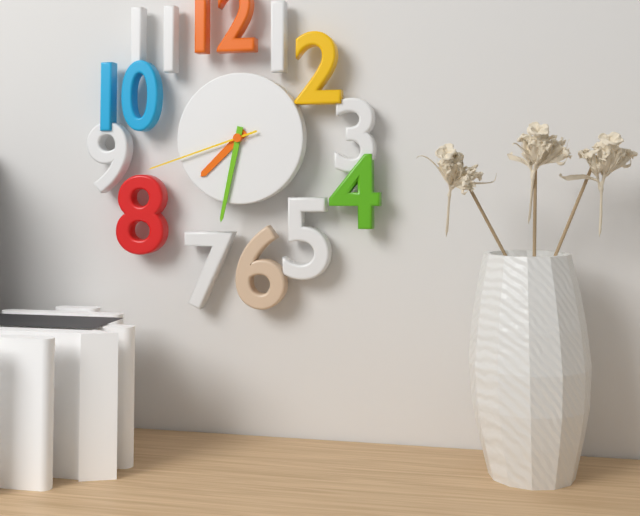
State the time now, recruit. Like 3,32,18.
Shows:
7,32,42
